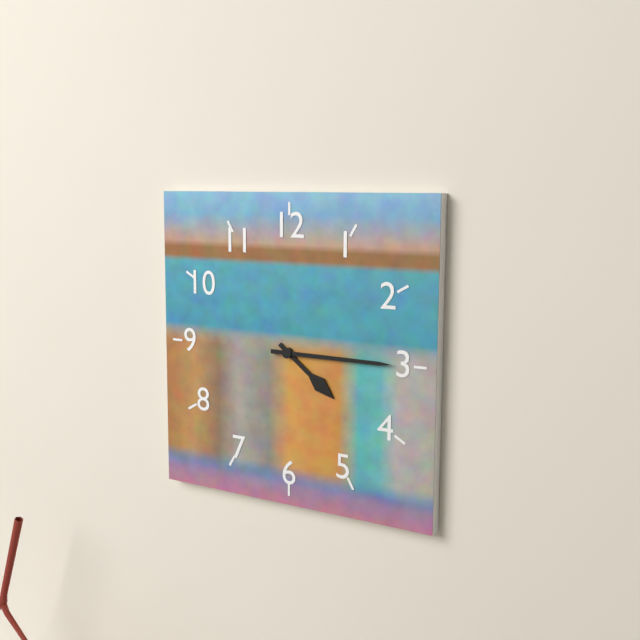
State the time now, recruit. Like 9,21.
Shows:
4,15
